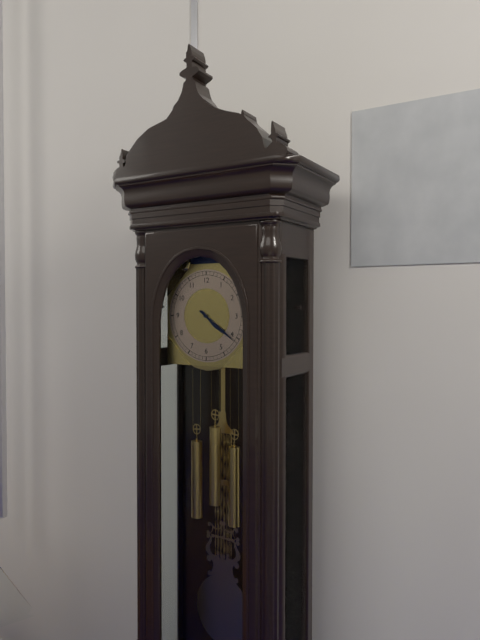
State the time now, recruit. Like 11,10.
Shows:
4,21
